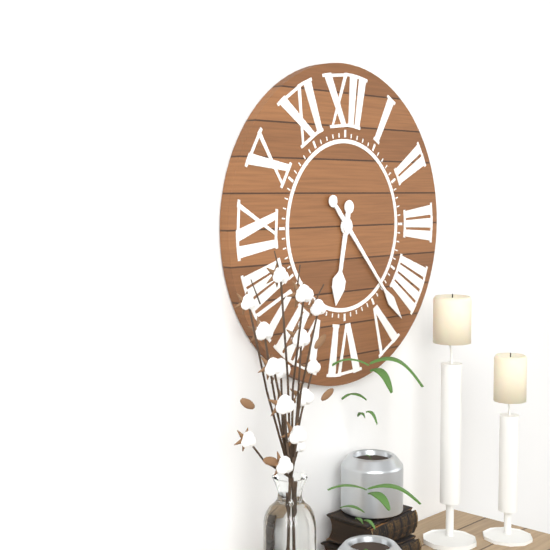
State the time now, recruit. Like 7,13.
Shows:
6,23
